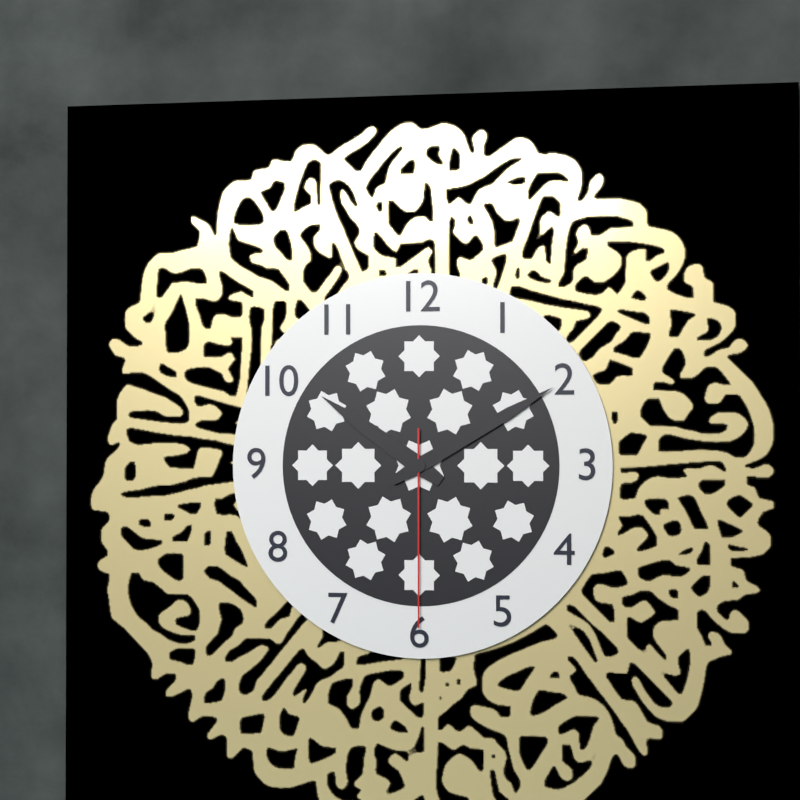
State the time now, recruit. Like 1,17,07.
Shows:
10,10,30
